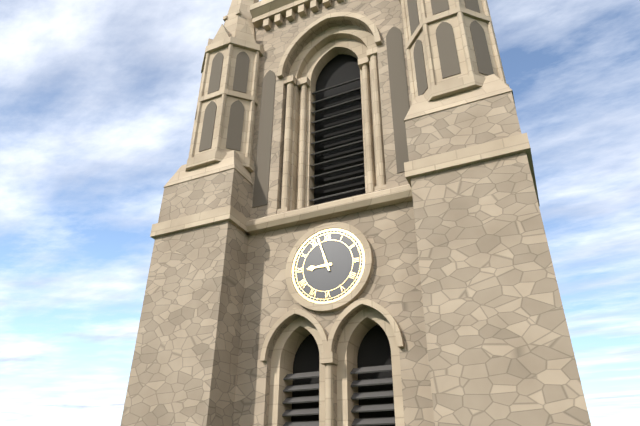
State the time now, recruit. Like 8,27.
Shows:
8,57
